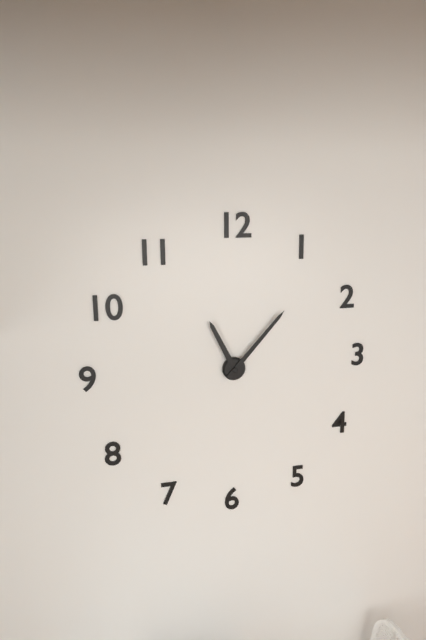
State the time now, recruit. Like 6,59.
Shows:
11,07
